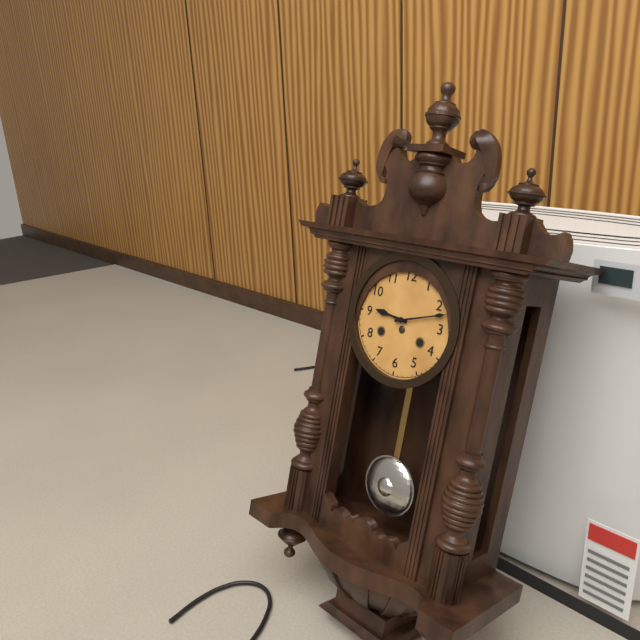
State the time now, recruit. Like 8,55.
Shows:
9,12
